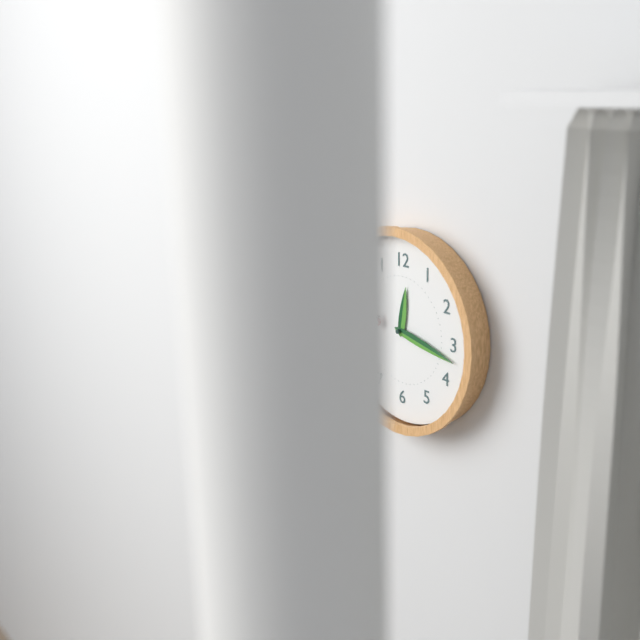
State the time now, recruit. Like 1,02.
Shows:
12,17
